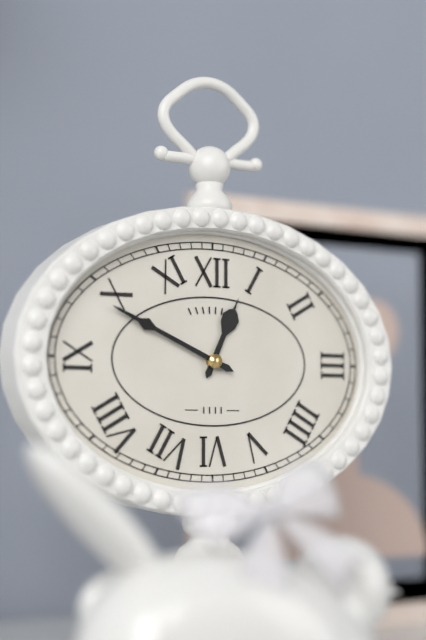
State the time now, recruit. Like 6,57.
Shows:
12,49
